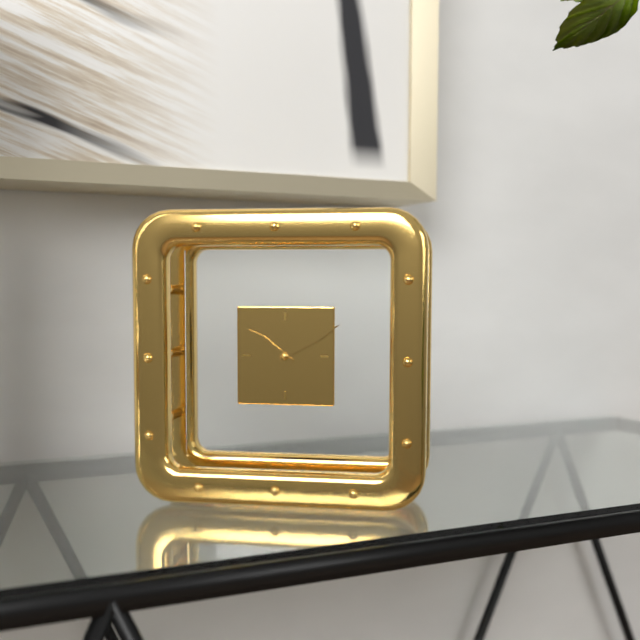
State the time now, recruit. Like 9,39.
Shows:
10,10
